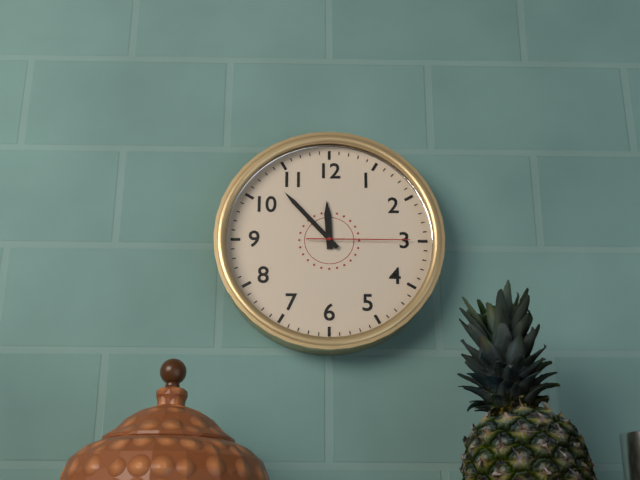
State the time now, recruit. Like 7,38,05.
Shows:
11,53,15
